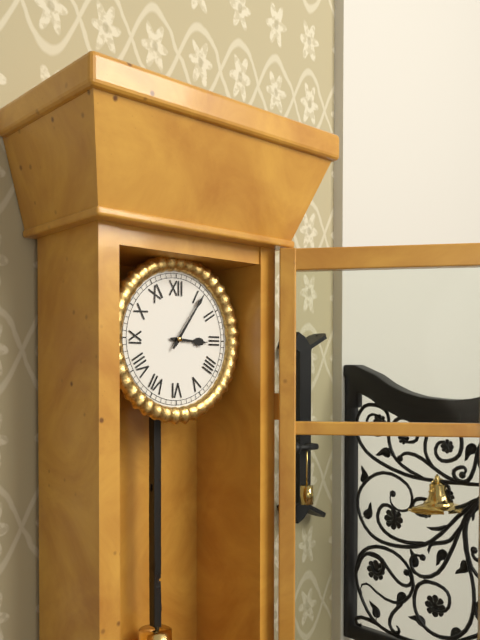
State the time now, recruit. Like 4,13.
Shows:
3,06
